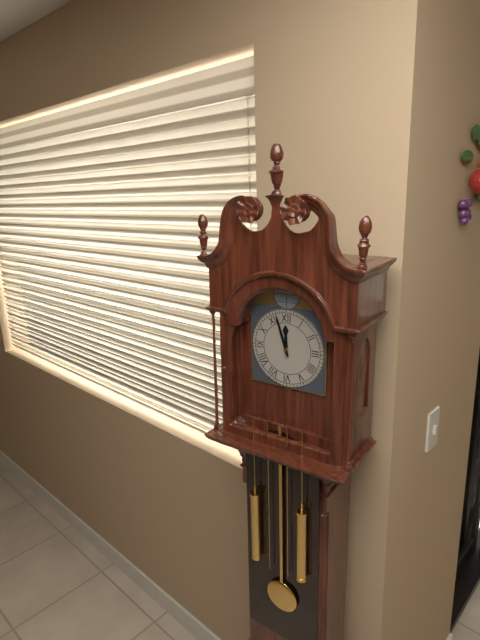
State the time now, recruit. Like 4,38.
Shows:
11,57
